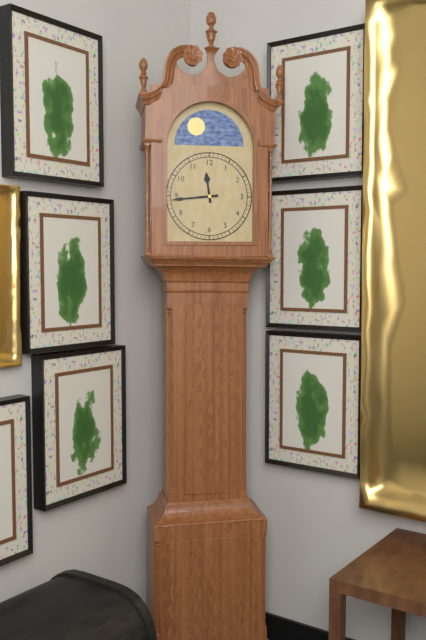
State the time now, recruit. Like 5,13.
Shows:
11,44
